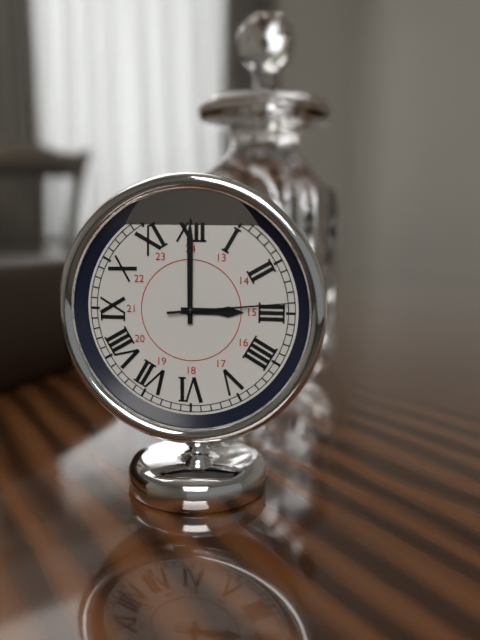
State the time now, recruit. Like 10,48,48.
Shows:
3,00,14
